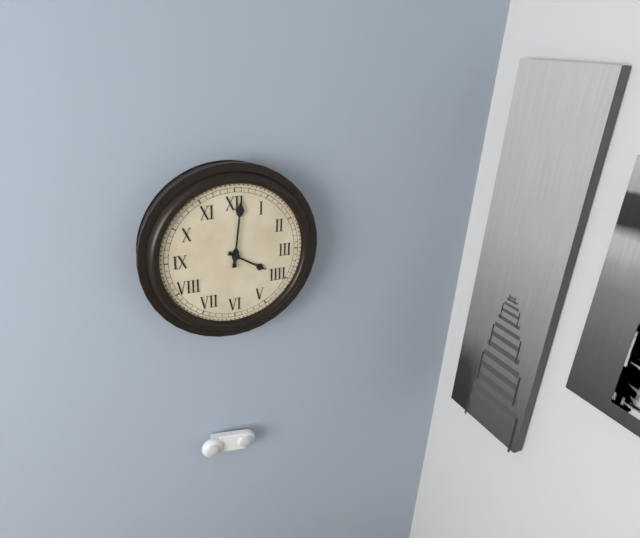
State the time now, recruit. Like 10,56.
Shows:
4,01
